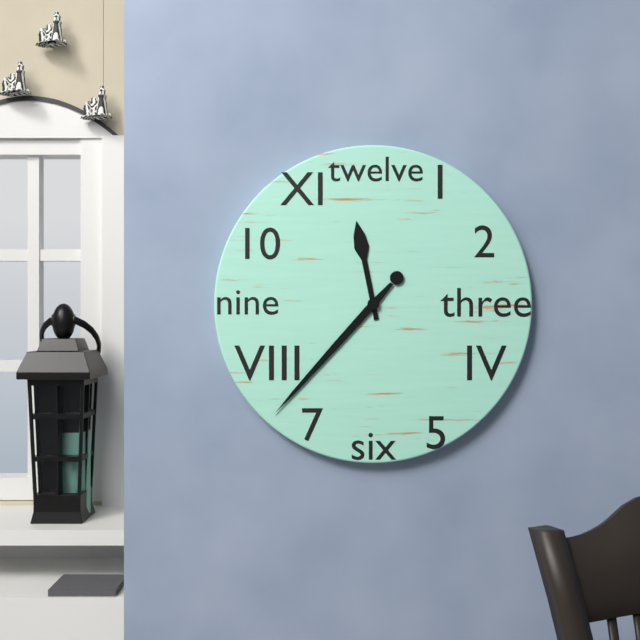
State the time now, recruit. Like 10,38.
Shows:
11,37
